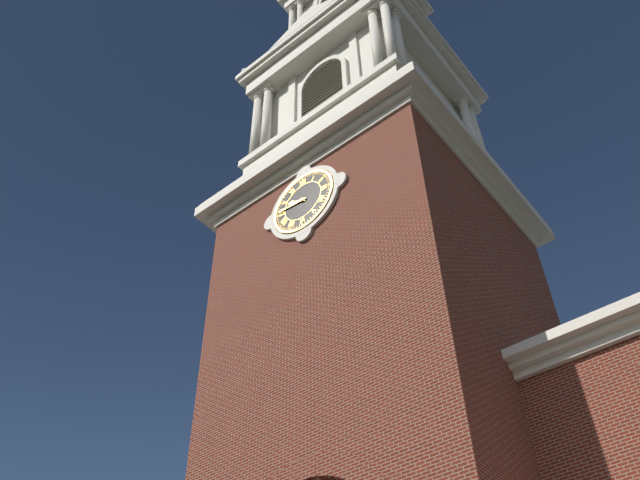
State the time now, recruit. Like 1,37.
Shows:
9,46
